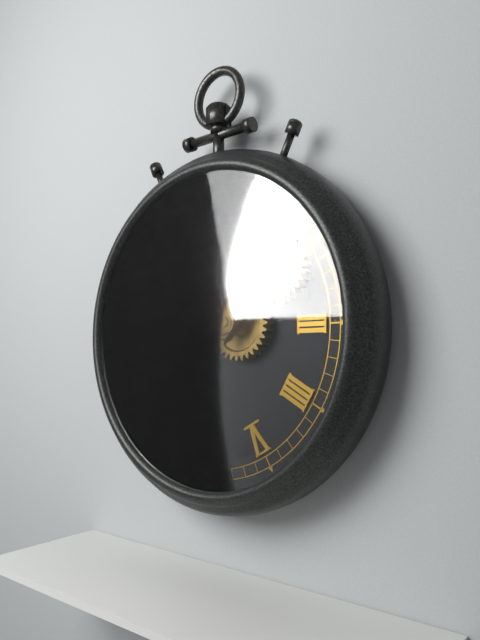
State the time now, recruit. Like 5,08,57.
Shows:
11,49,54
